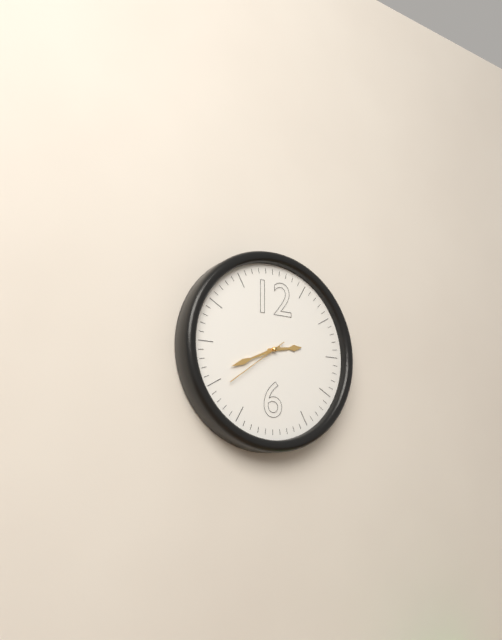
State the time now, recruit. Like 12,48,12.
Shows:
2,41,39
